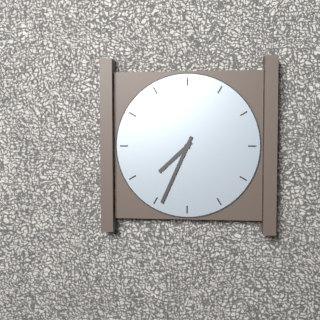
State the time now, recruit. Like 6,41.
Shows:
7,34
